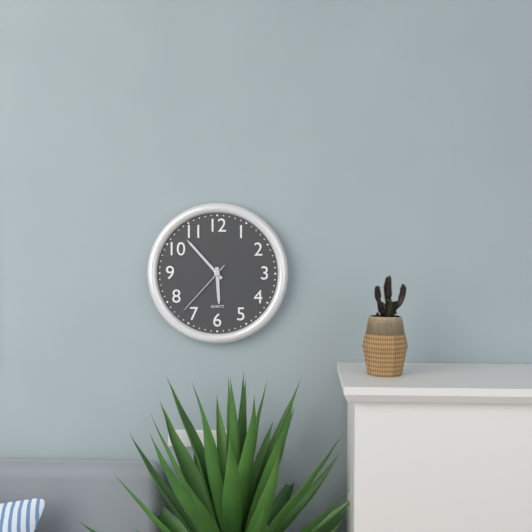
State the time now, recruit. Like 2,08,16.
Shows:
5,53,37
